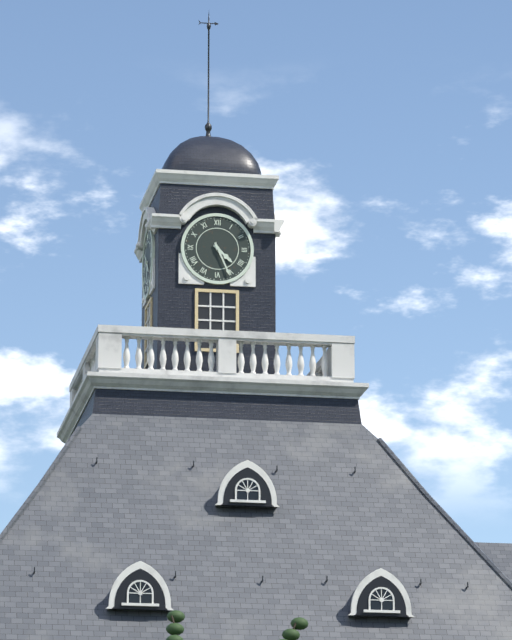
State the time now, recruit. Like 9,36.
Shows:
4,26
